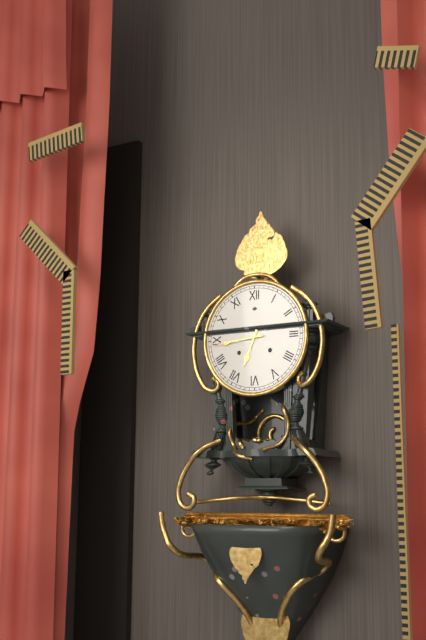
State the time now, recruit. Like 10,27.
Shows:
6,44
